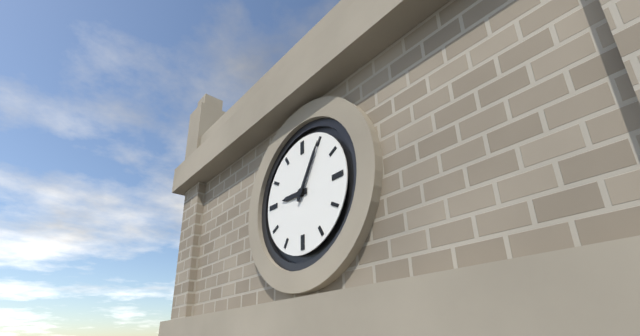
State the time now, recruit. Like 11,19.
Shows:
9,05
